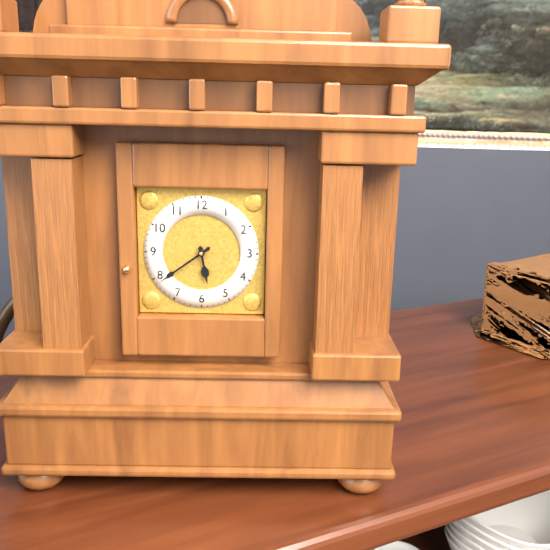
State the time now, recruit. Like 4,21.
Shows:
5,39
